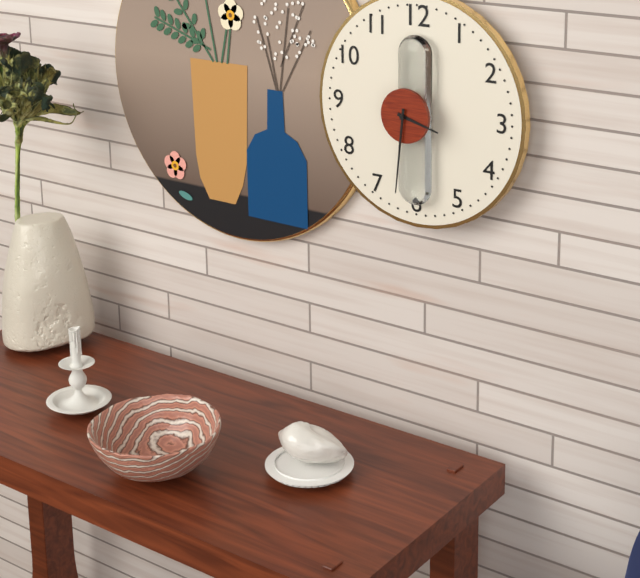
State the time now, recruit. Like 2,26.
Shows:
3,31
